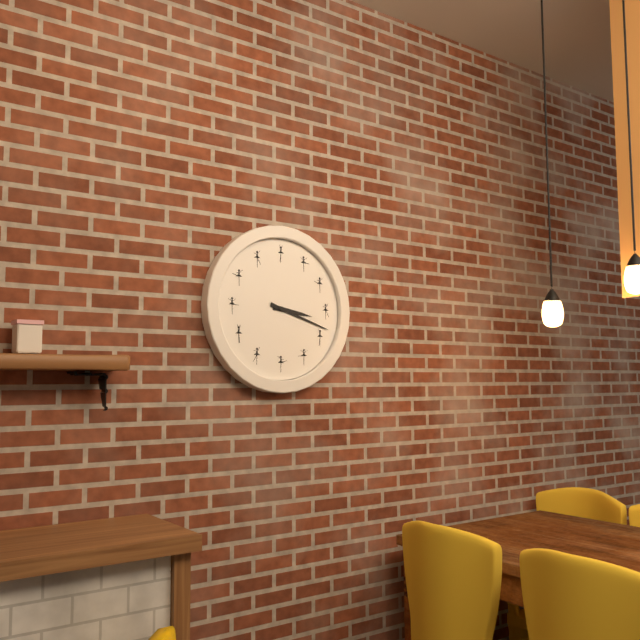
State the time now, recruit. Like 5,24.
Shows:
3,18
